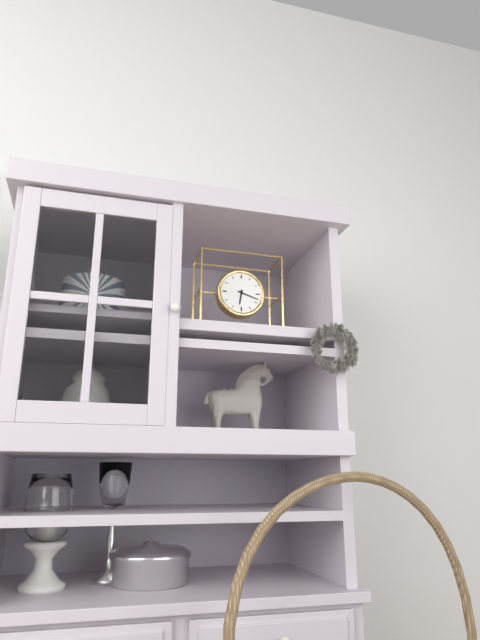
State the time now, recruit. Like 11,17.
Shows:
6,18
